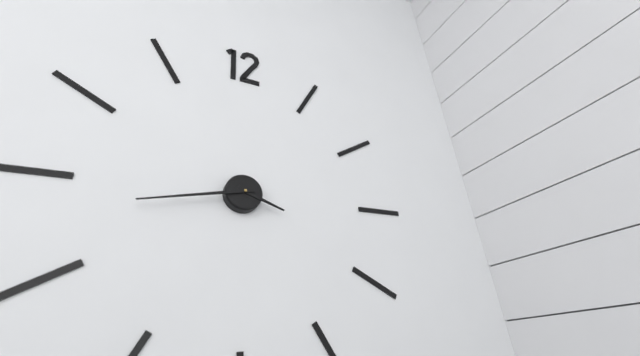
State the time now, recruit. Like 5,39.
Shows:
3,43
